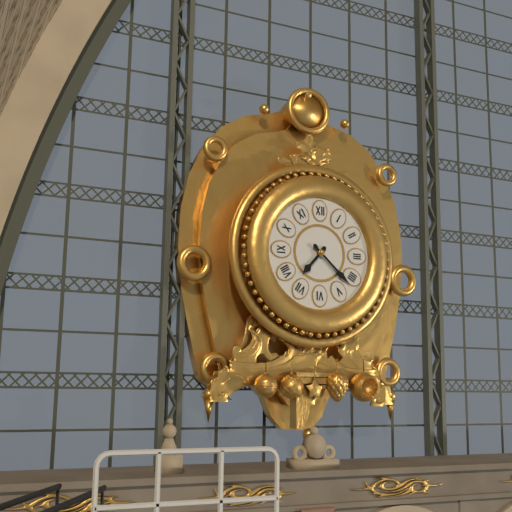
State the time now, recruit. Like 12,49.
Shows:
7,22
